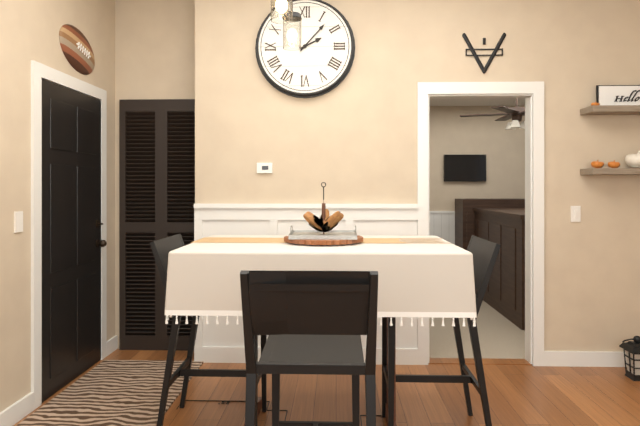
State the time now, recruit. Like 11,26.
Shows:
2,07
